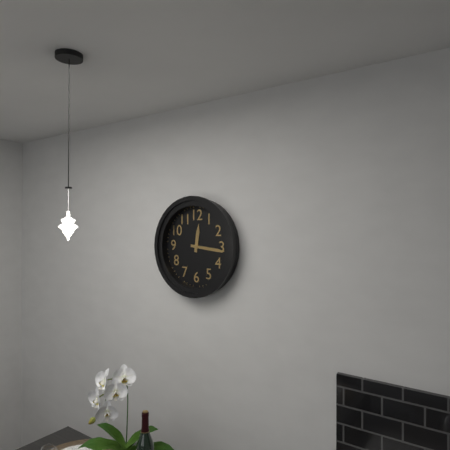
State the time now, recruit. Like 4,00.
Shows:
12,16
